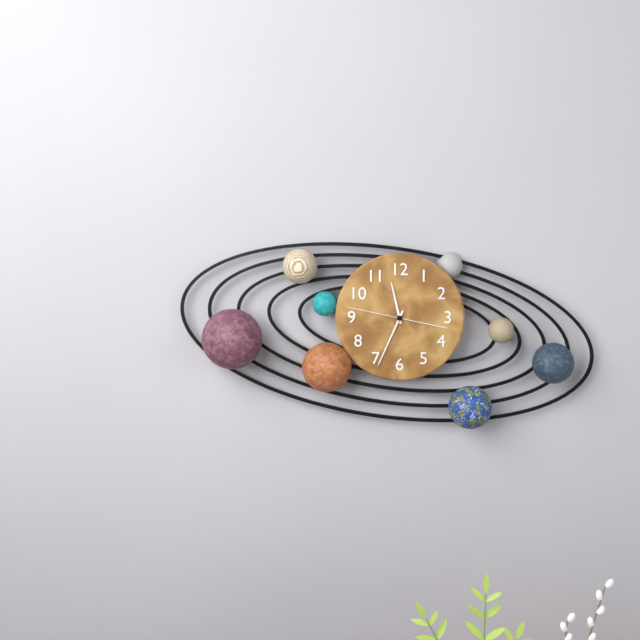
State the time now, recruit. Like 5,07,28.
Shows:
11,34,47
